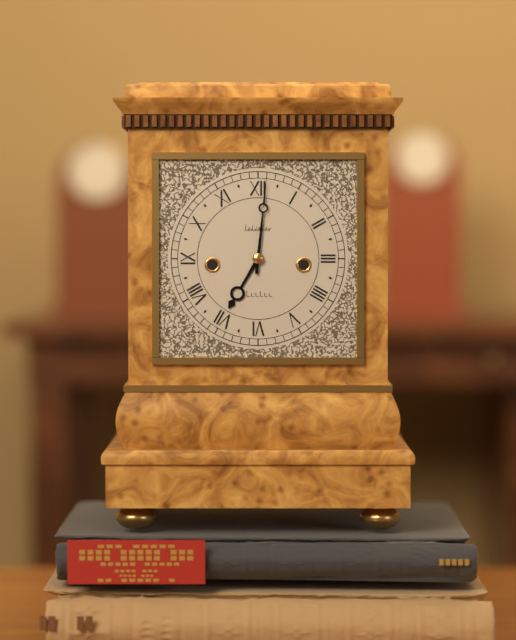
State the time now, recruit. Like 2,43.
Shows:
7,01
